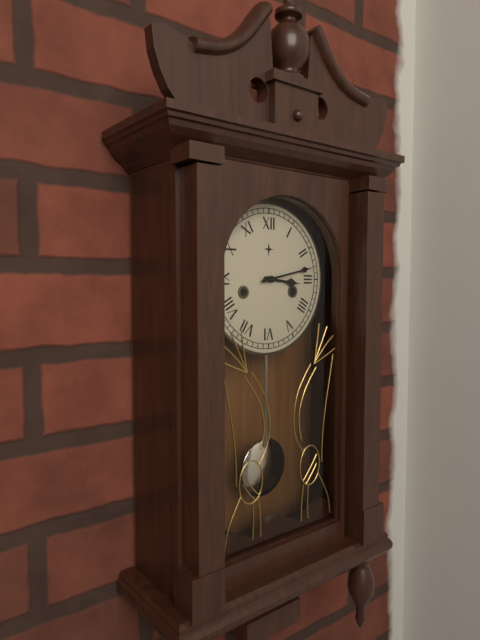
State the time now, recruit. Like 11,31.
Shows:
3,13
